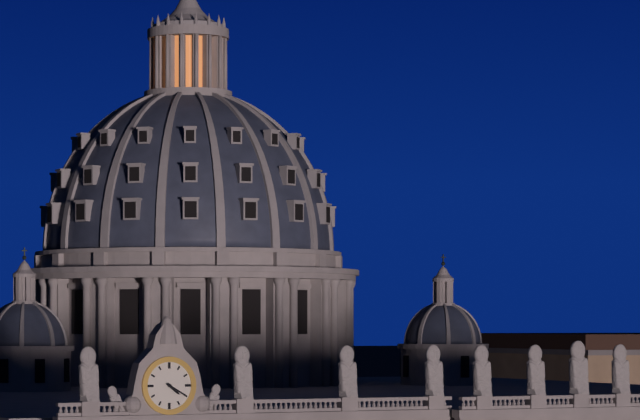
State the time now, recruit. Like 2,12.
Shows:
4,20
